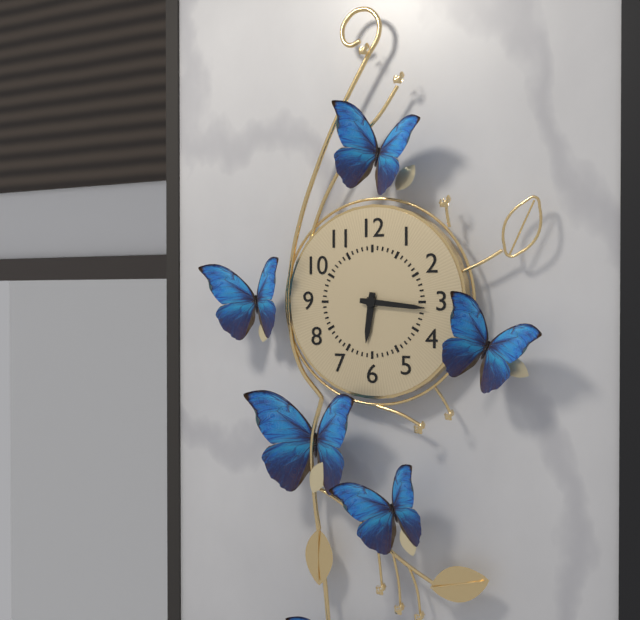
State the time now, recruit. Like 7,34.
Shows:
6,16
